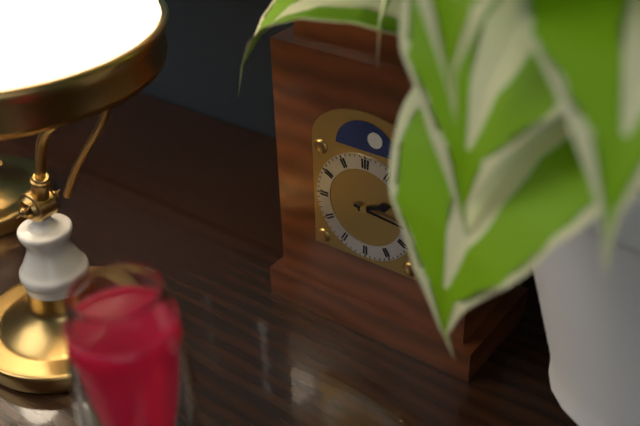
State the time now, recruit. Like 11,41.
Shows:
2,16
